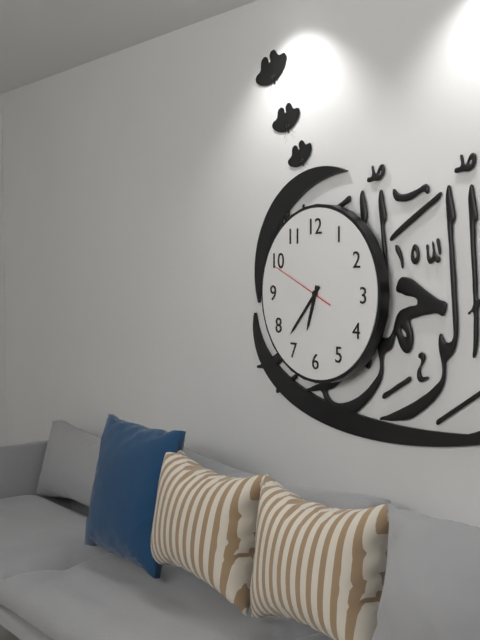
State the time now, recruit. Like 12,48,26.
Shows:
6,37,49
